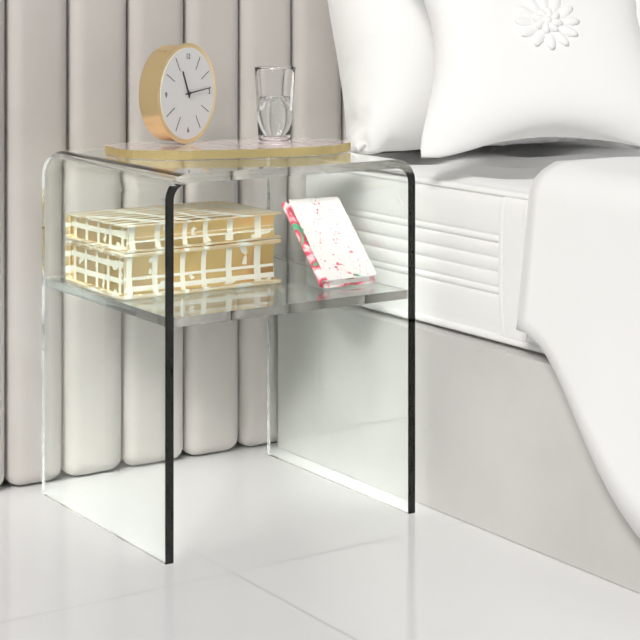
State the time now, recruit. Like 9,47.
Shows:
11,14
